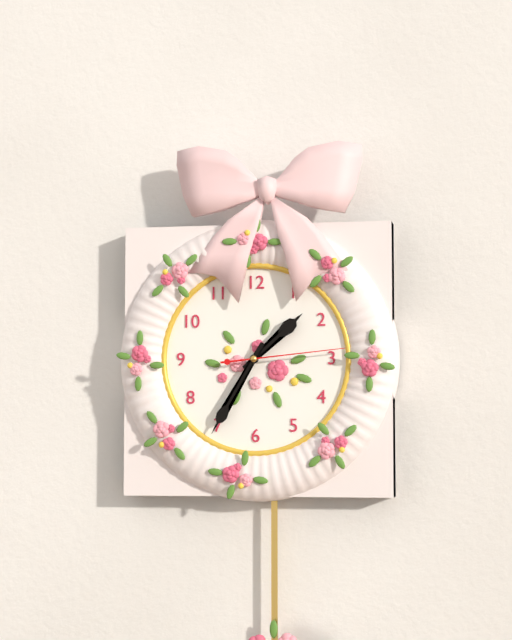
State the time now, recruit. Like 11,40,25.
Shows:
1,35,14
